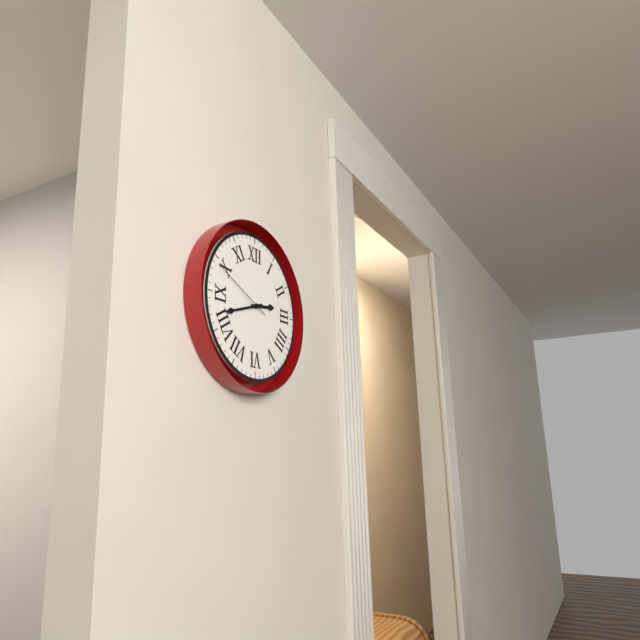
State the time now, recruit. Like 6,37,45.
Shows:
2,42,49
